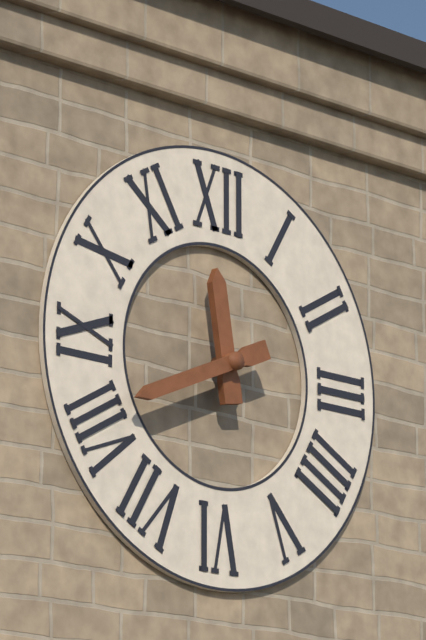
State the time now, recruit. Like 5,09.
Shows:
11,41
